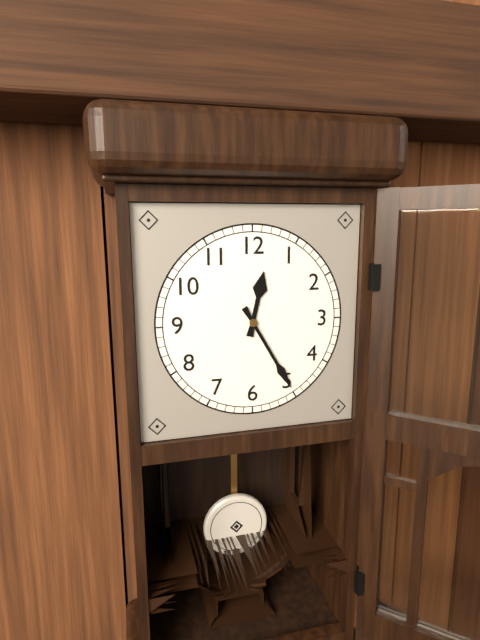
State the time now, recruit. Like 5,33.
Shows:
12,25
